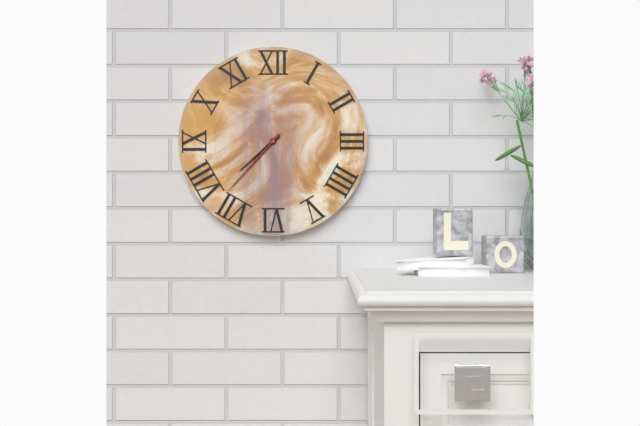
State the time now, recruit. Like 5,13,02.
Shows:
7,37,37
